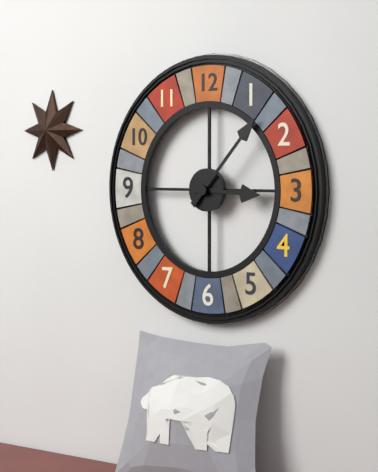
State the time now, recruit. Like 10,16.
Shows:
3,07
